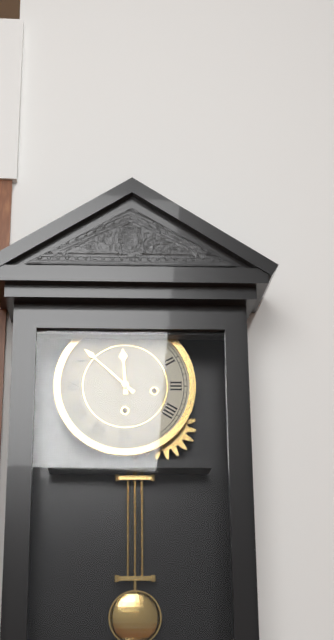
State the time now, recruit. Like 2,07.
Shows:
11,52
